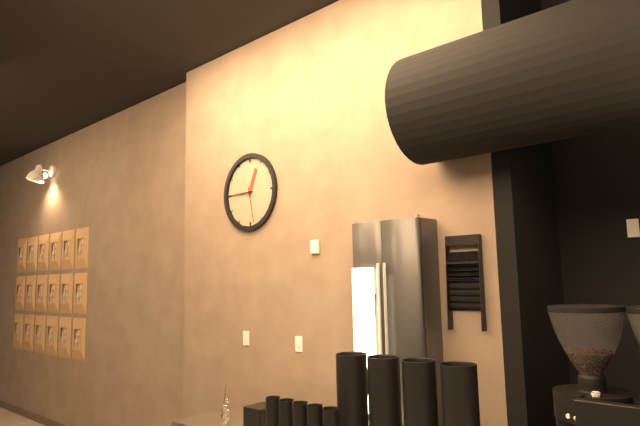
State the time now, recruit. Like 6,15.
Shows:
12,45
